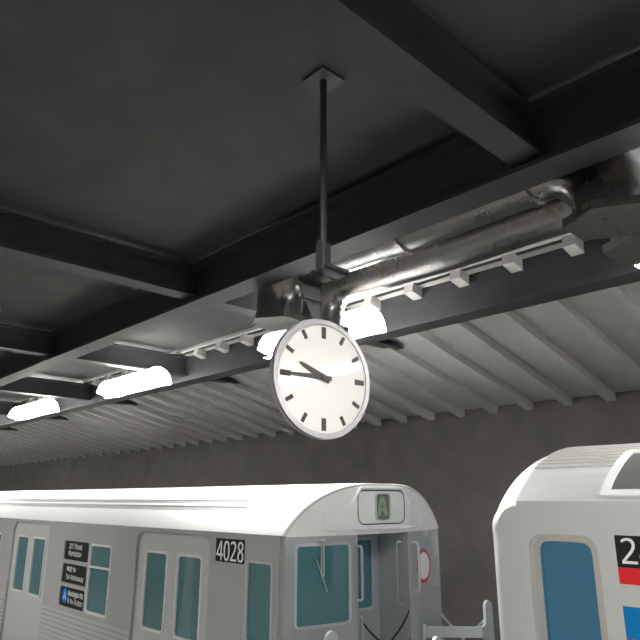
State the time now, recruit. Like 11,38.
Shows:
9,45
